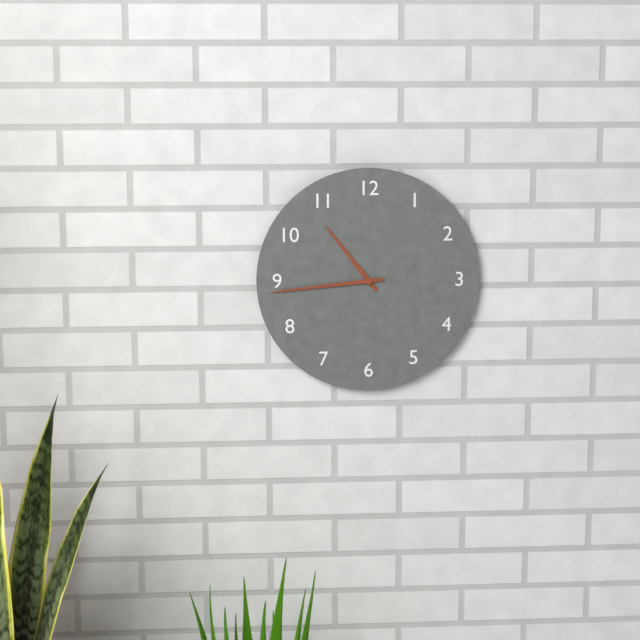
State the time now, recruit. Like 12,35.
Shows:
10,44
